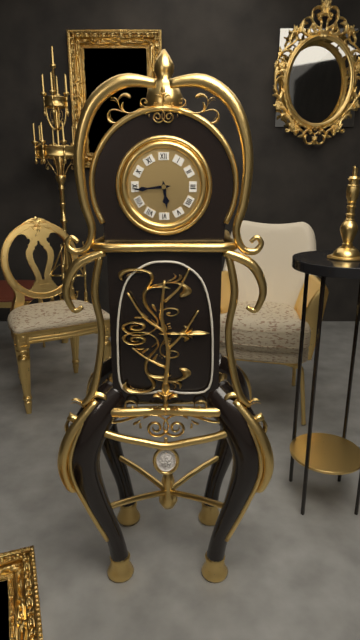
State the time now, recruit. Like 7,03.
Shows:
5,44
